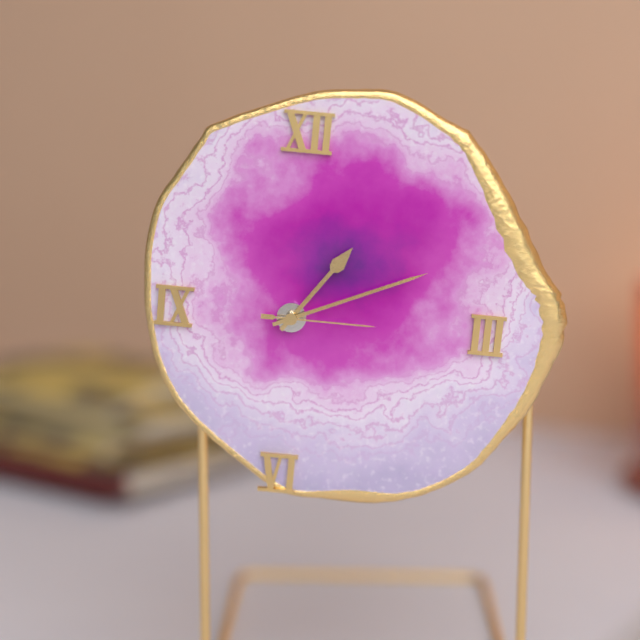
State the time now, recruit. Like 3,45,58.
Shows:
1,11,15
